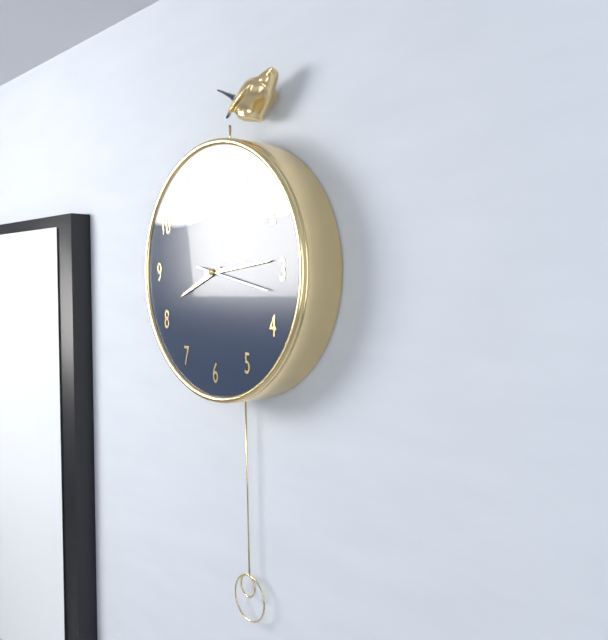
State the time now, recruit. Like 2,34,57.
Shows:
8,14,17
